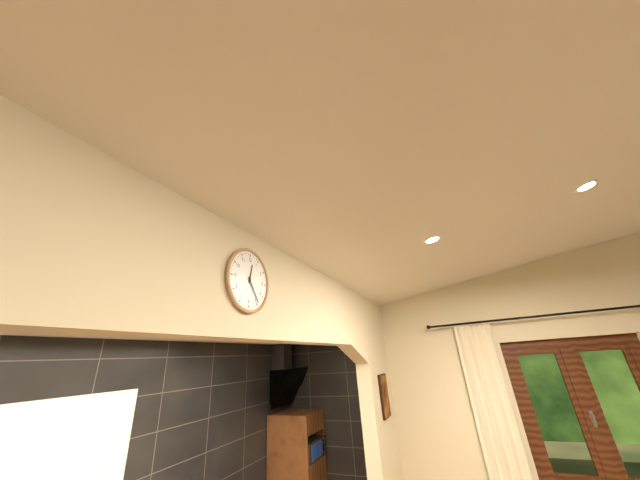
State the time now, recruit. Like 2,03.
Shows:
12,24
